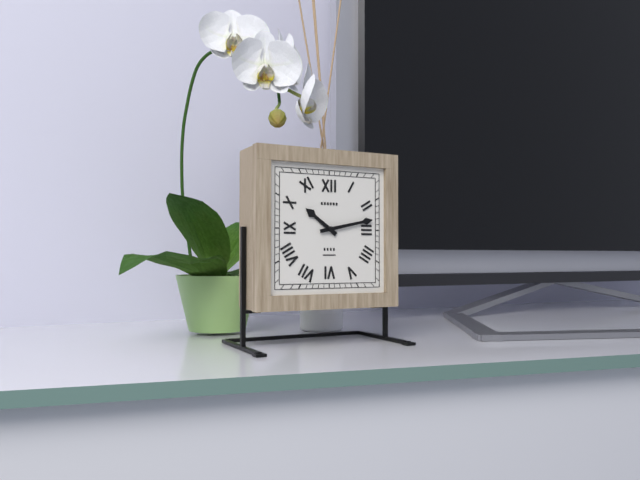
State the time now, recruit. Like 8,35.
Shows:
10,13
